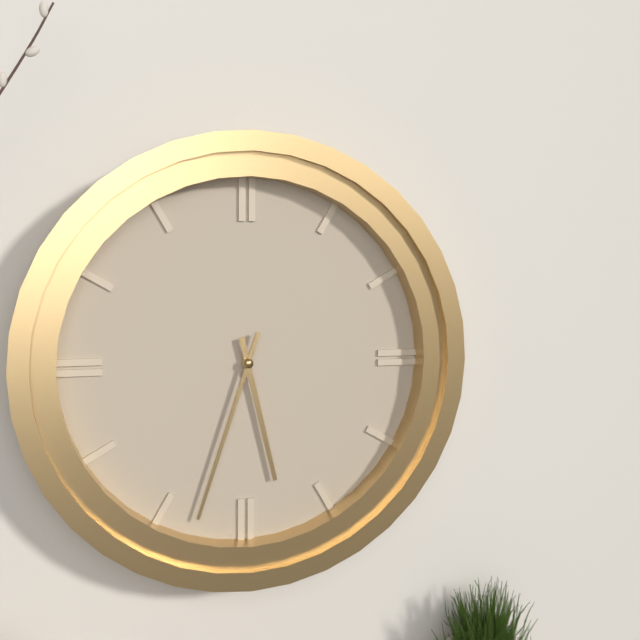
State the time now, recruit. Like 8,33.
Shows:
5,33
